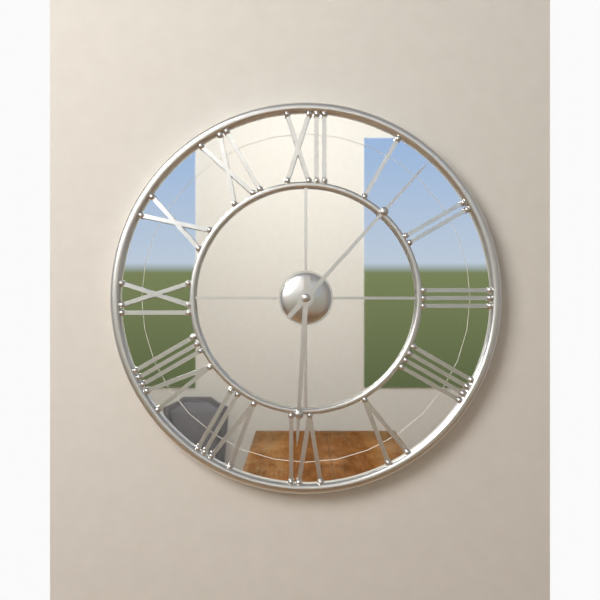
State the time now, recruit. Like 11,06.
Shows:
6,07
